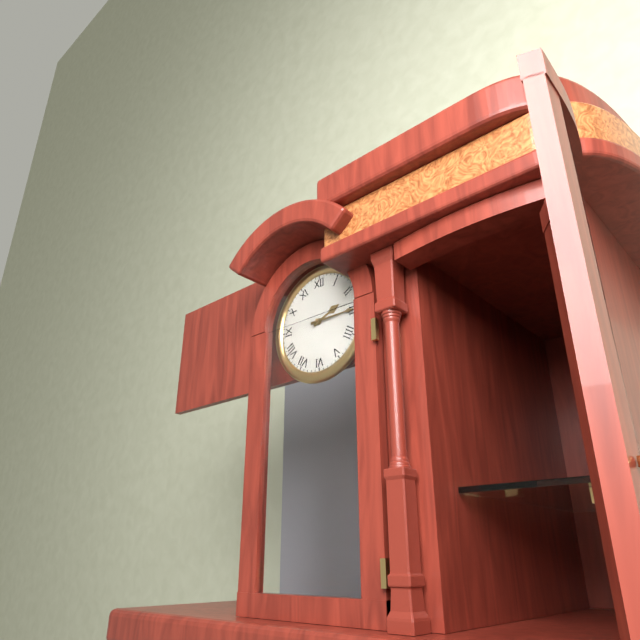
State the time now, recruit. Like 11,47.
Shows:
2,15
